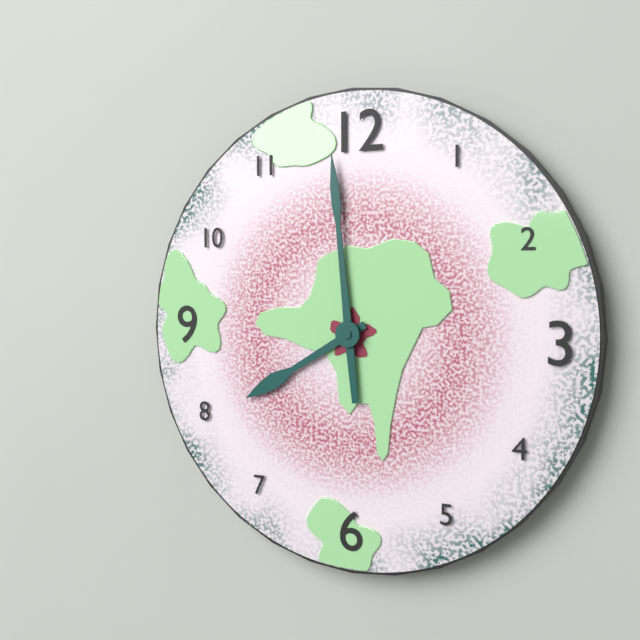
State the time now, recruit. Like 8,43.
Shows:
7,59
